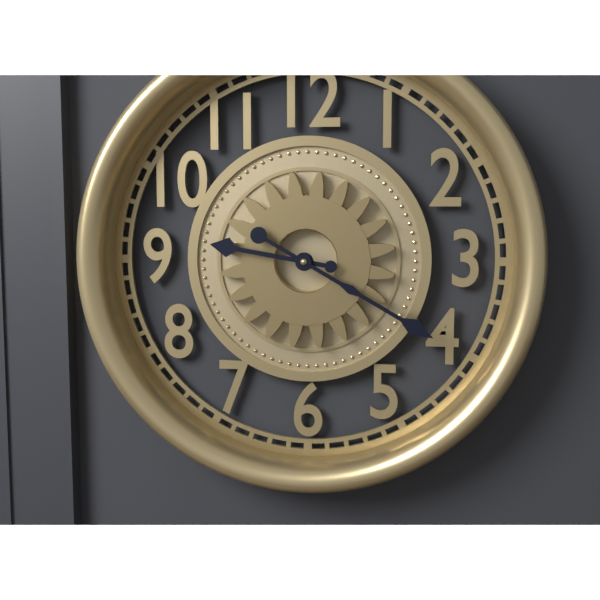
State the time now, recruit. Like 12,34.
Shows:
9,20
